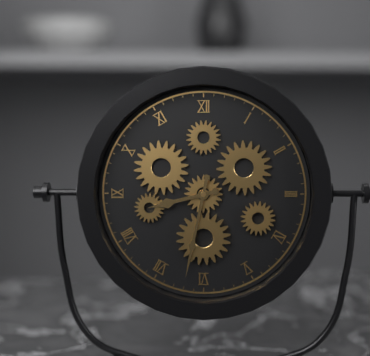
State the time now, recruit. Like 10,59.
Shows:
8,32
